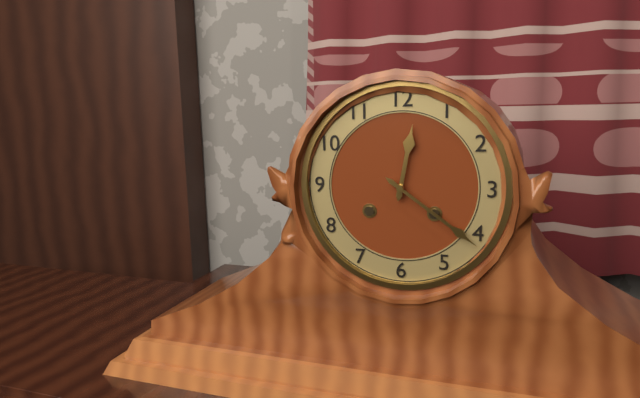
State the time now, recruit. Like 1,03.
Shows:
12,21
